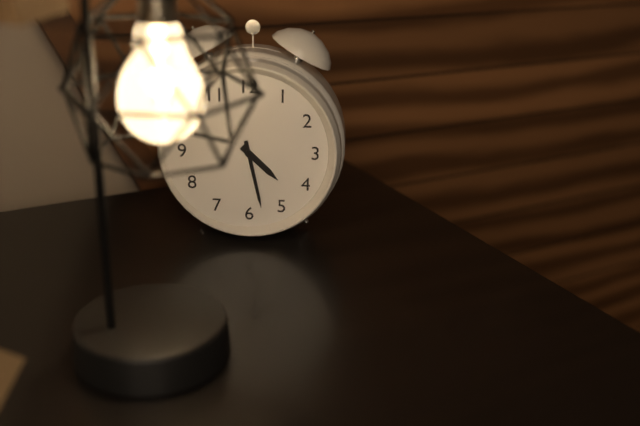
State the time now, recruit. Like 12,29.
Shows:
4,28
